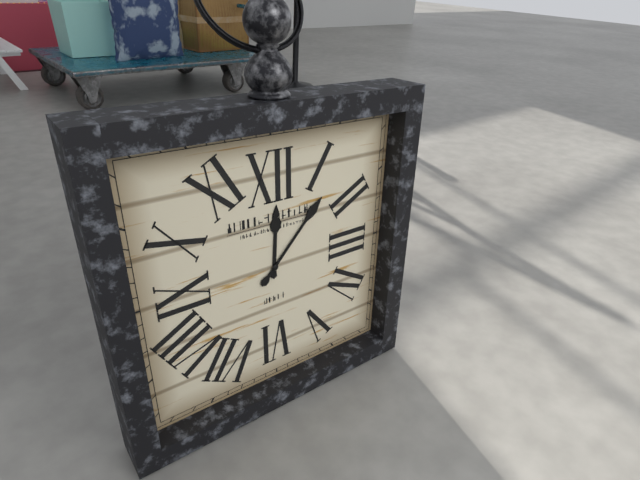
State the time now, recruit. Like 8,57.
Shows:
12,07
